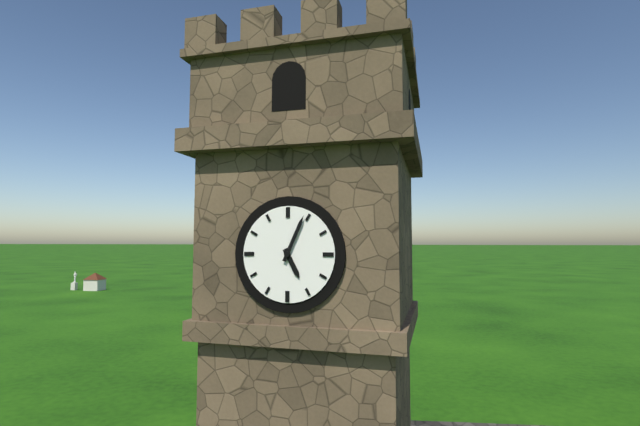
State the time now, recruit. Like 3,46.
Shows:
5,04
